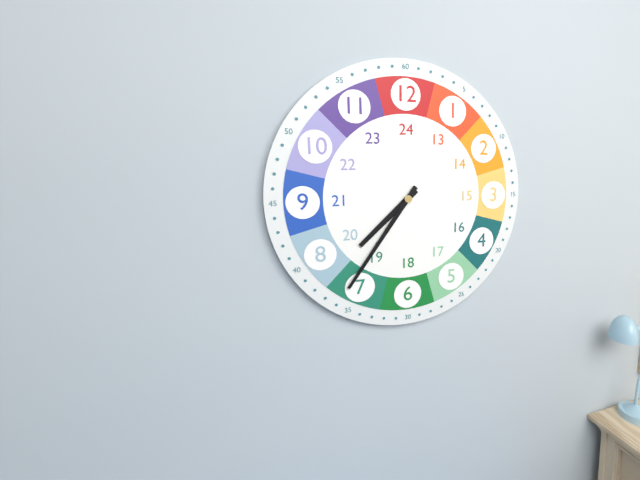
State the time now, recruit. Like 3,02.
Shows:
7,36
